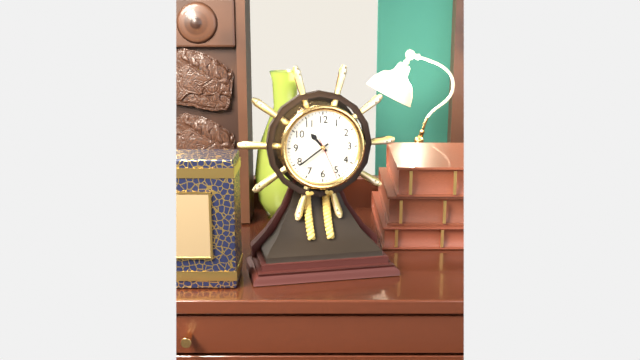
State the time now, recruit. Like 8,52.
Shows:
10,39
